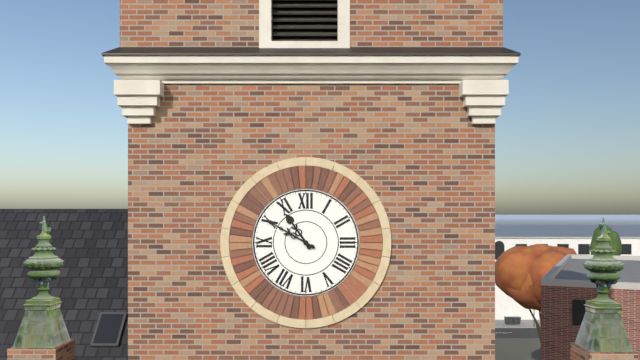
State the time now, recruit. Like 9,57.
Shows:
10,50
